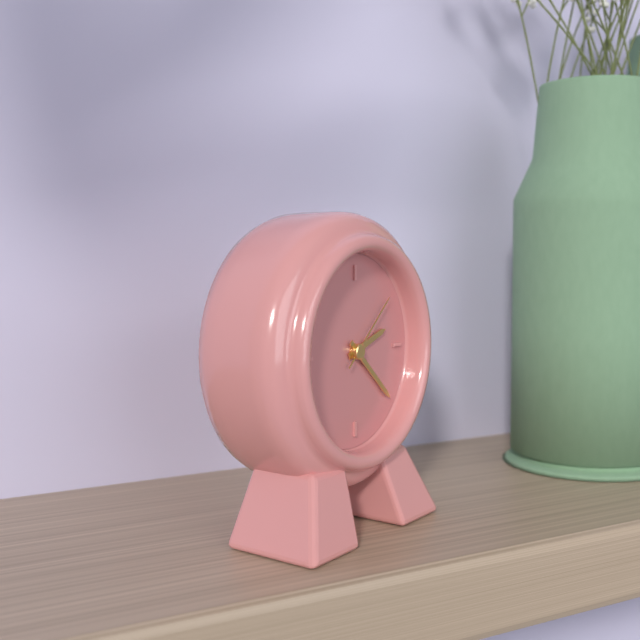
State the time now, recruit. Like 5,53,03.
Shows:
2,22,08
